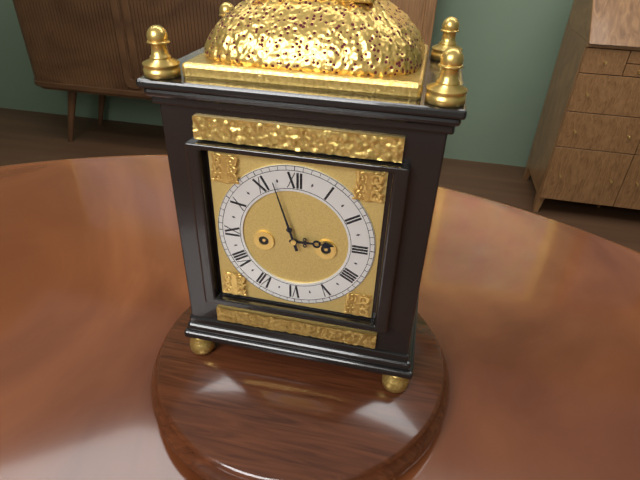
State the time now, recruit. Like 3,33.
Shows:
2,57
